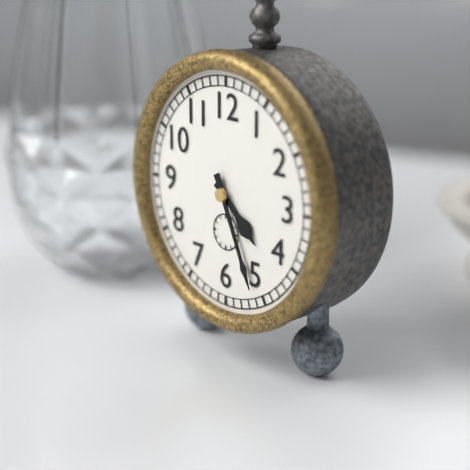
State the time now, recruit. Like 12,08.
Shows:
4,26
